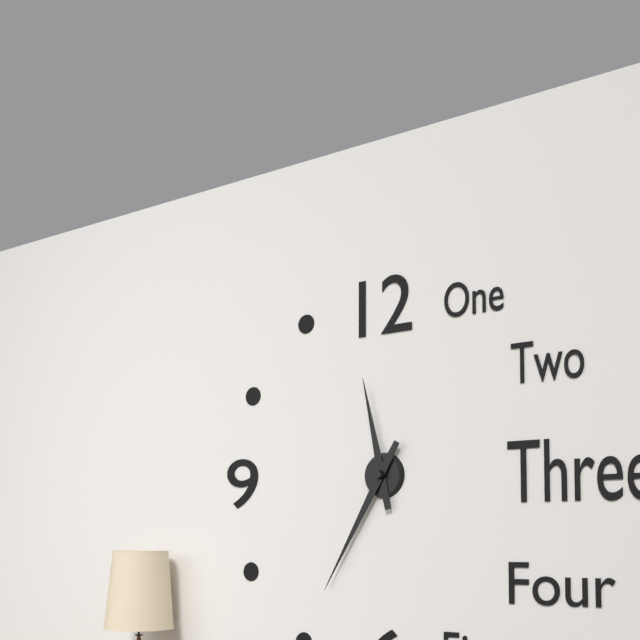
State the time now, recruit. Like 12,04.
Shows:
11,35
